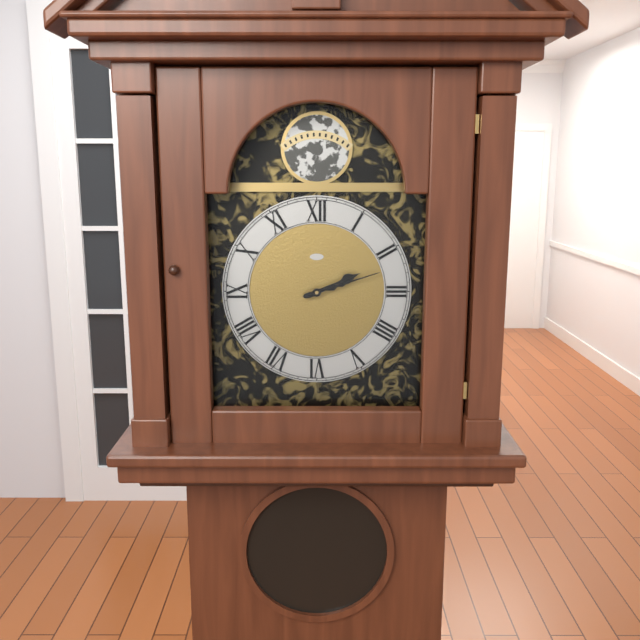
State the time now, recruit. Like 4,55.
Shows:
2,12
